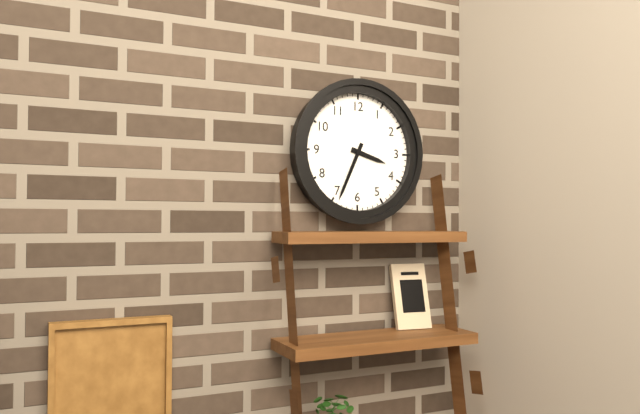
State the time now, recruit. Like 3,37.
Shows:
3,34
